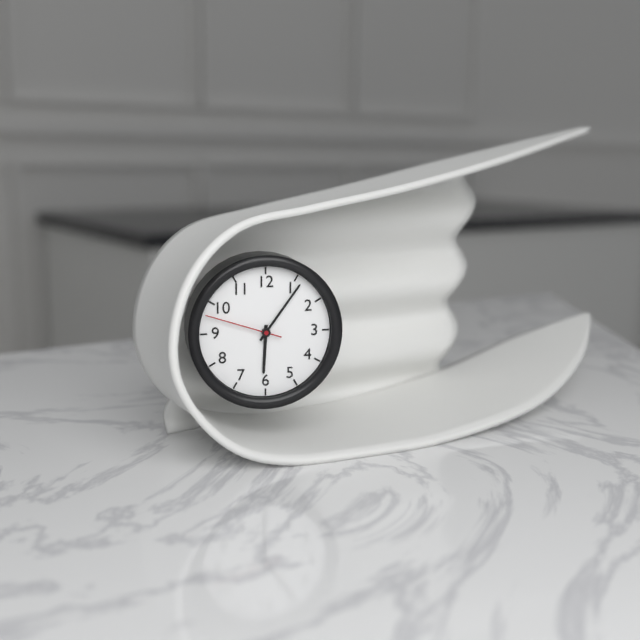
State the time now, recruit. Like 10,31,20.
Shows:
6,06,48
